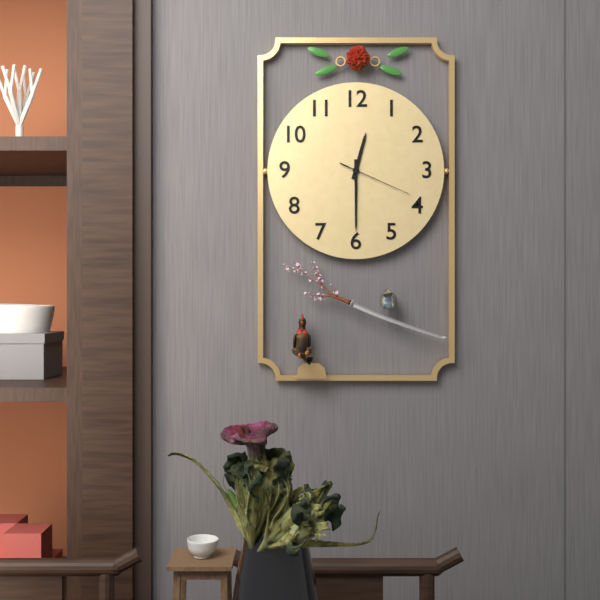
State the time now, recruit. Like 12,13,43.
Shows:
12,30,19
